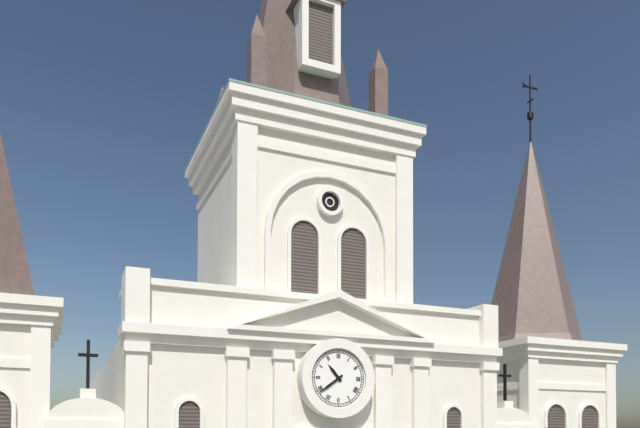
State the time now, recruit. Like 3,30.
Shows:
10,39
